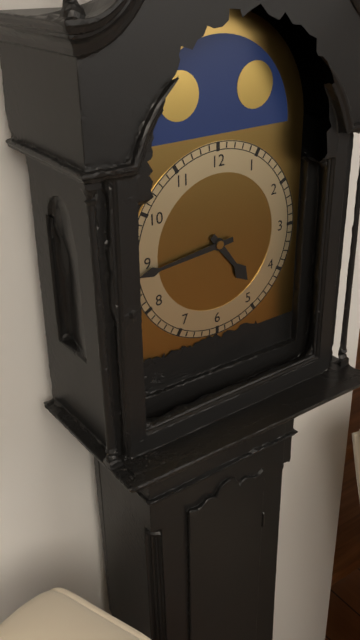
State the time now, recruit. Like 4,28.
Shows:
4,44
